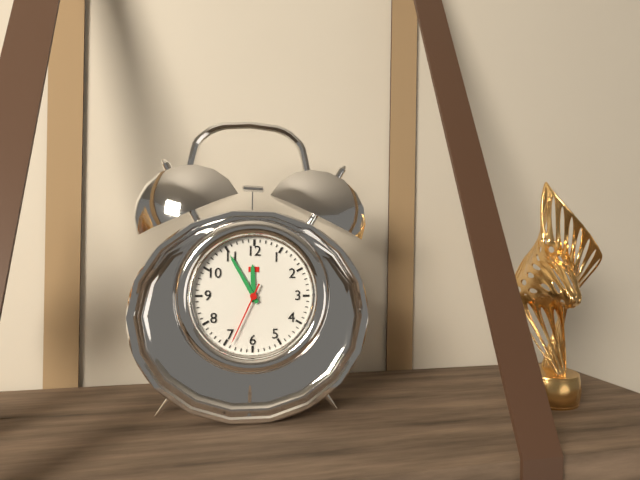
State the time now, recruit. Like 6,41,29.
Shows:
11,55,34
